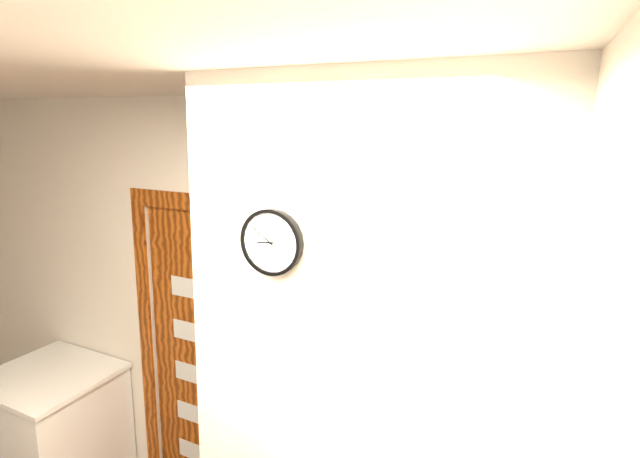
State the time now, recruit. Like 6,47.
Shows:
8,51
